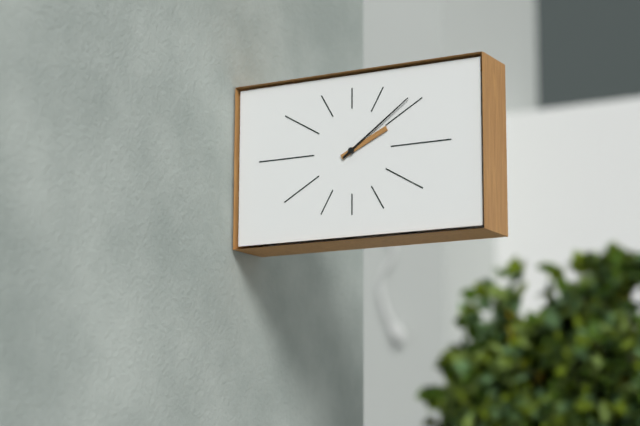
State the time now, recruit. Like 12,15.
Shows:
2,09
